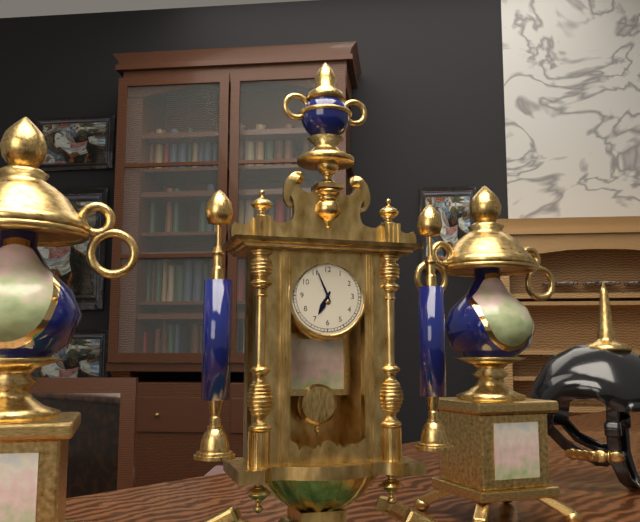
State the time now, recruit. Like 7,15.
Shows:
6,56
